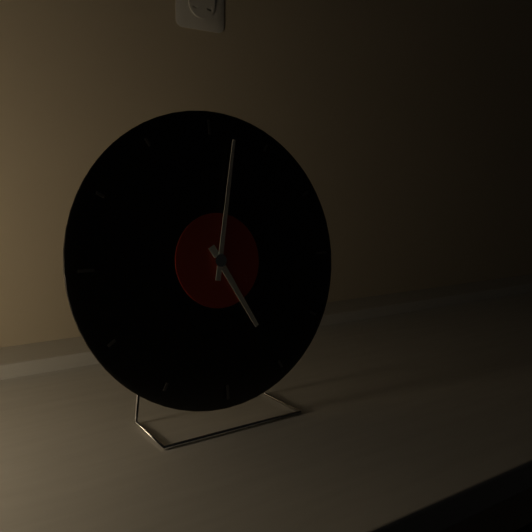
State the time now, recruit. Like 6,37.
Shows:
5,02
